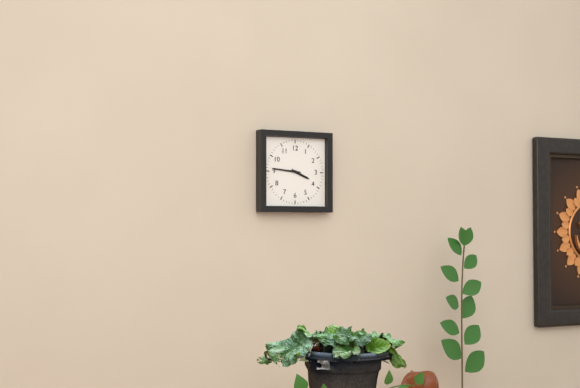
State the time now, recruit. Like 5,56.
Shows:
3,46
